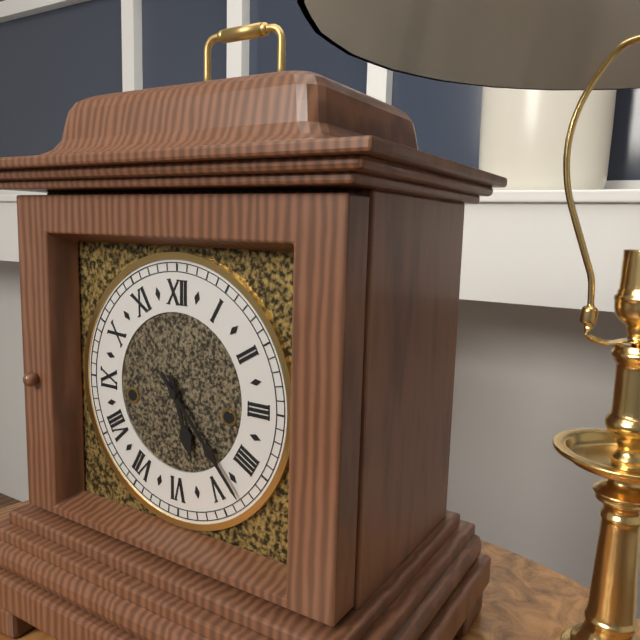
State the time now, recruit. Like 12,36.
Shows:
5,23
